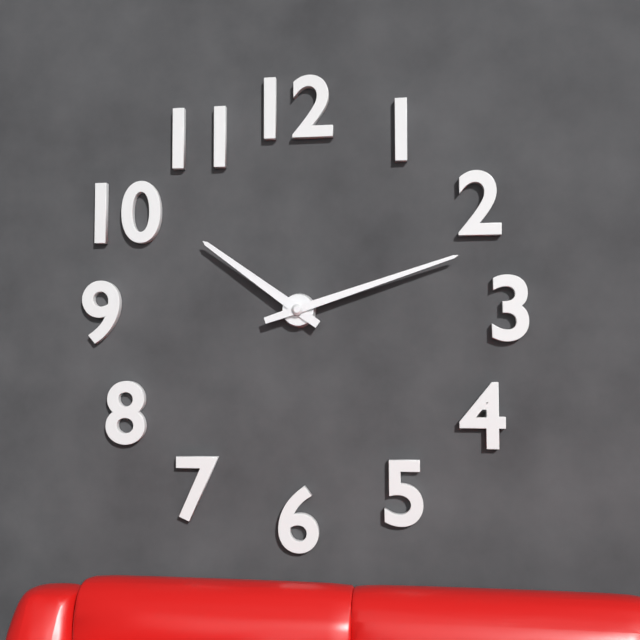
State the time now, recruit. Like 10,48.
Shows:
10,12
